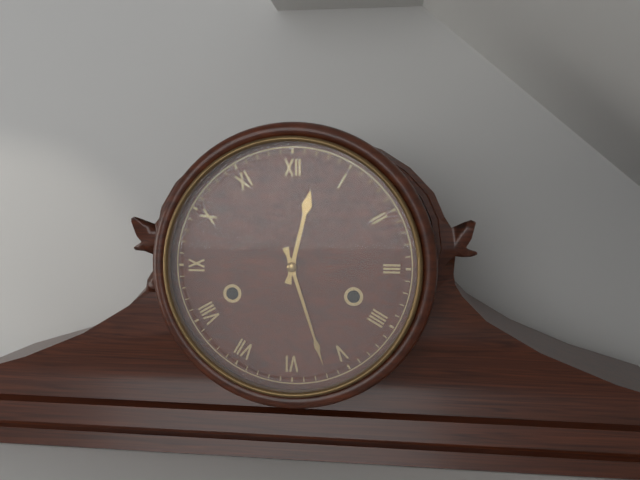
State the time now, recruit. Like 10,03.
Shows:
12,27
